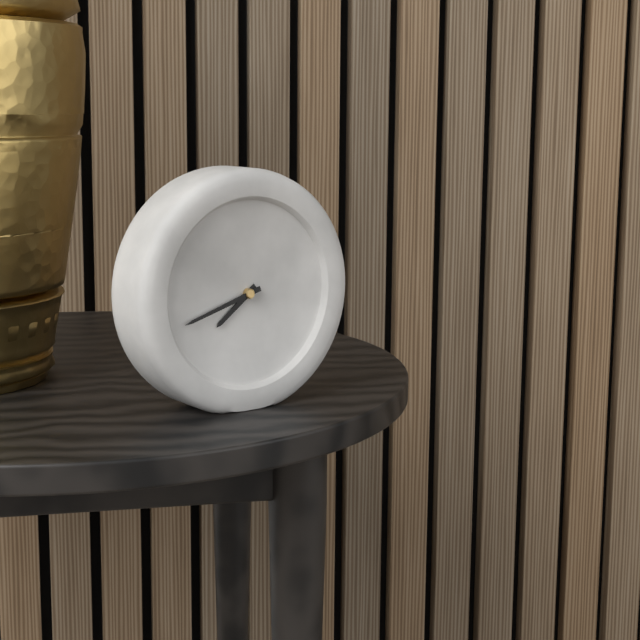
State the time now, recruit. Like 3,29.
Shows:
7,42
